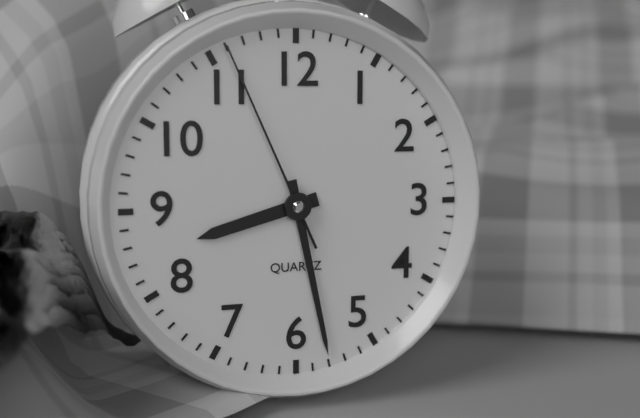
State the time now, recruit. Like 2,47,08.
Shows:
8,28,56
